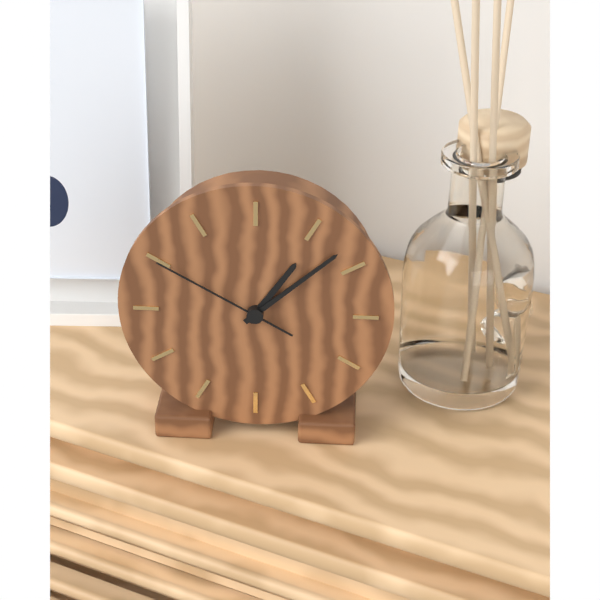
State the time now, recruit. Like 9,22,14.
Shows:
1,08,50
